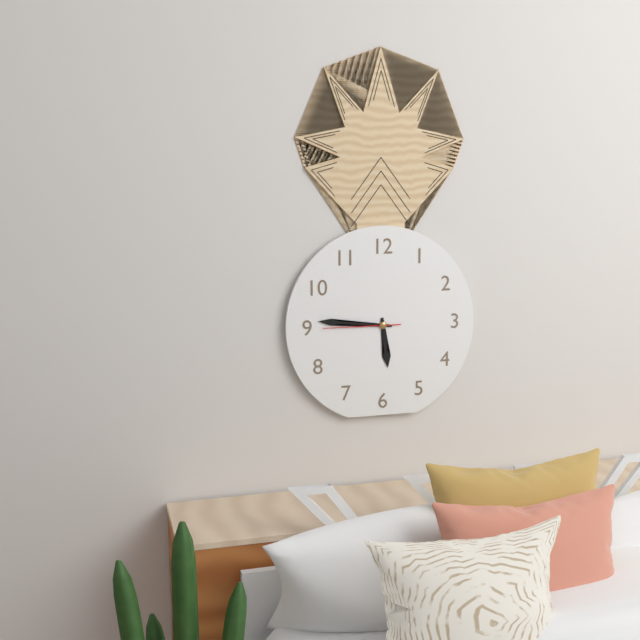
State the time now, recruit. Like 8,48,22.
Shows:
5,46,45
